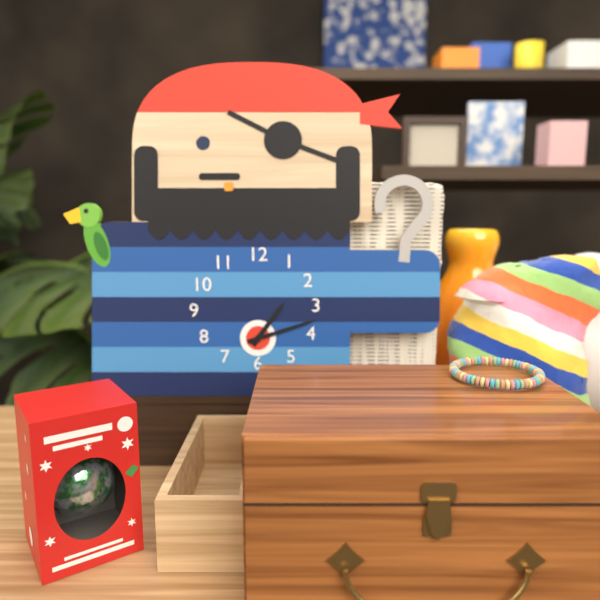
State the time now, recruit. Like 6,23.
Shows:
1,12
